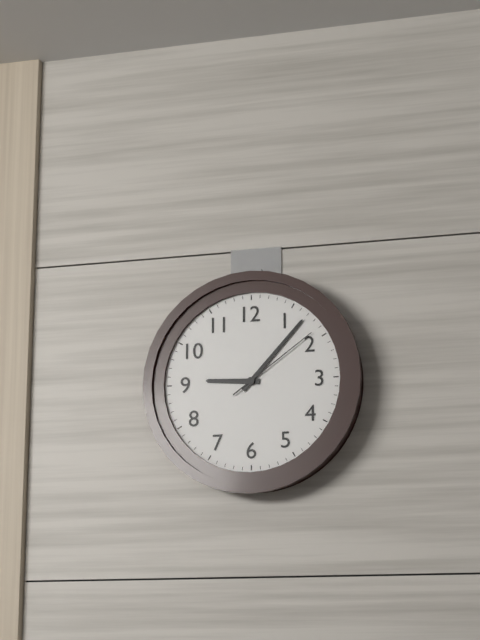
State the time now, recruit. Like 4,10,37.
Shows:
9,07,09
